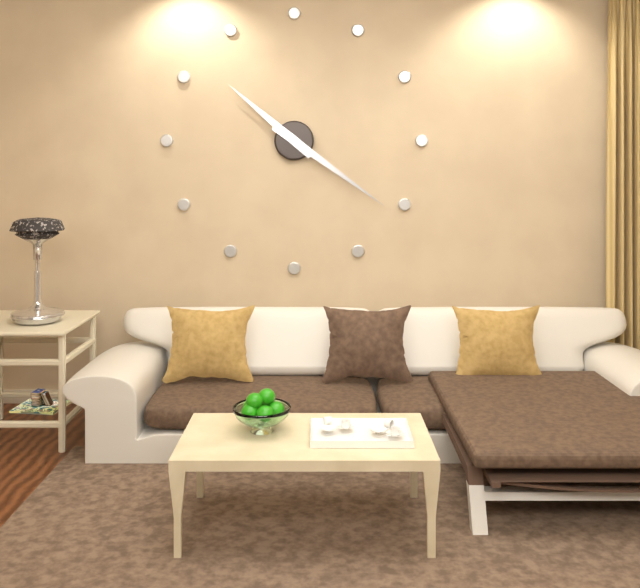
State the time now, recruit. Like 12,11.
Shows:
10,21
